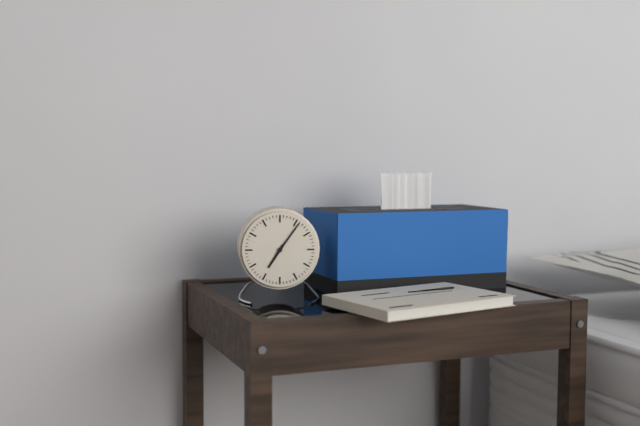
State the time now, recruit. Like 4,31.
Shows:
7,06
